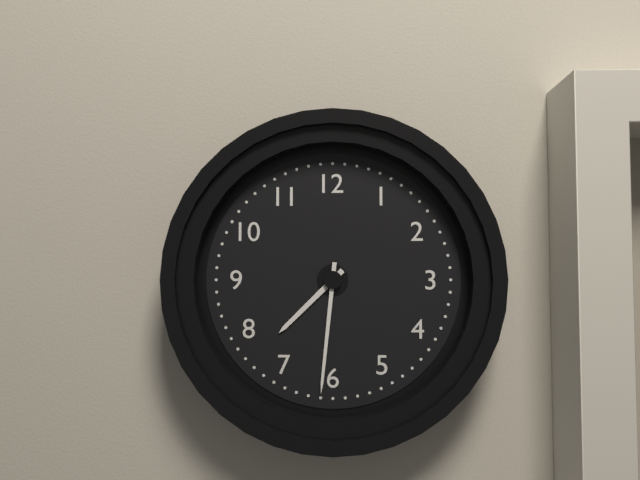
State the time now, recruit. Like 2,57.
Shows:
7,31
